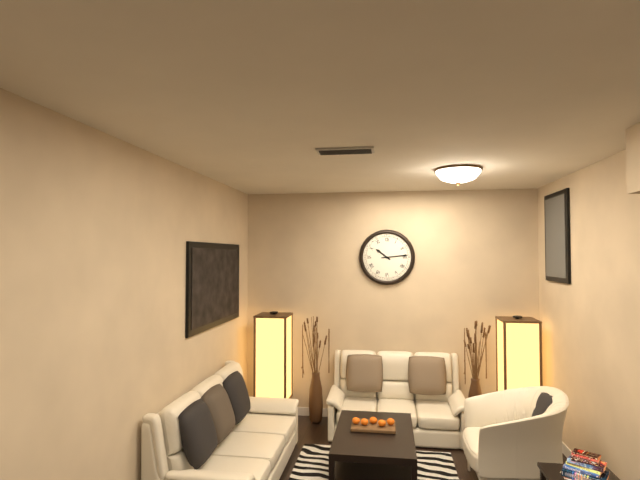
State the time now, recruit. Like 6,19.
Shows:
10,14
